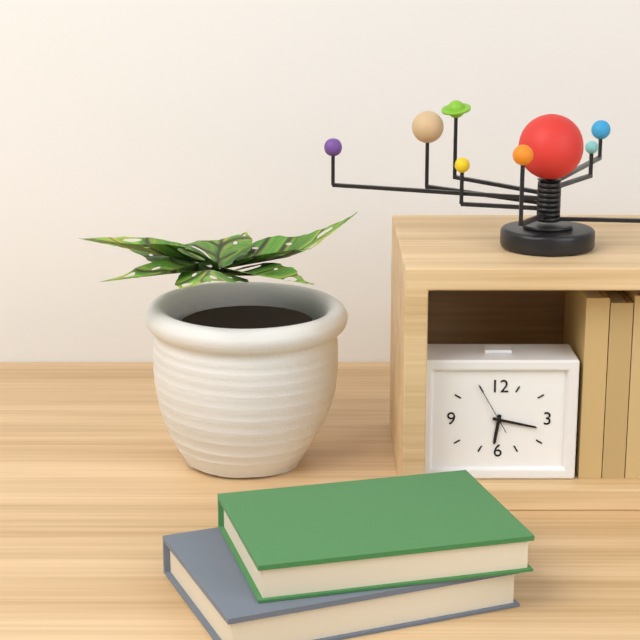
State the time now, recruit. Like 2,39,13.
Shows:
6,17,55
